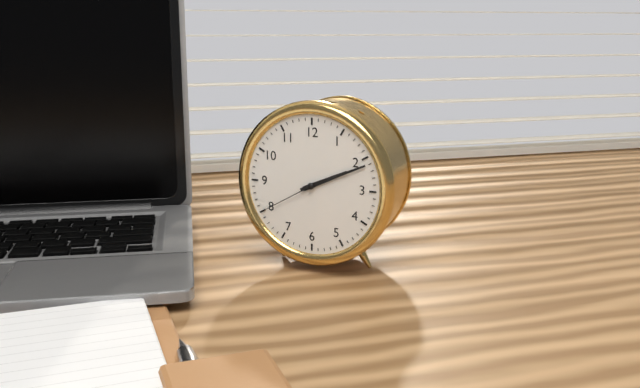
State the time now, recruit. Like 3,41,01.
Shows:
2,11,40
